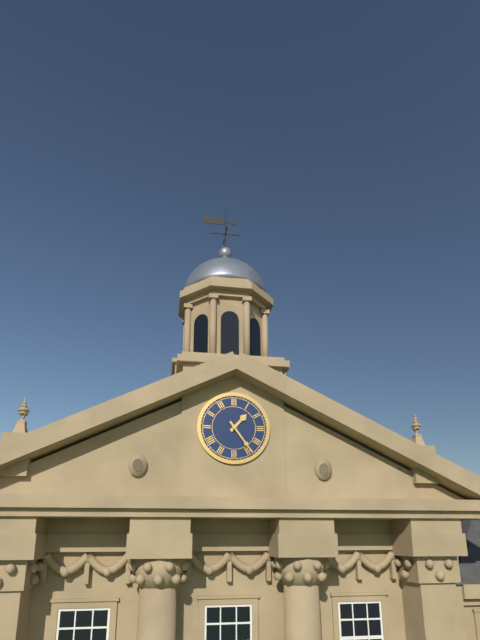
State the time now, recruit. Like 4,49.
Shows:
1,24
